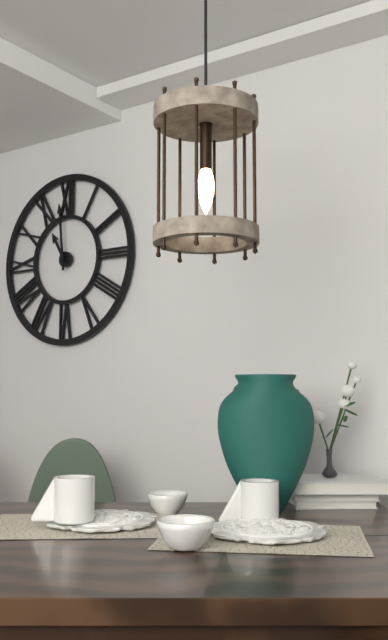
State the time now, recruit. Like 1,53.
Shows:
10,59
